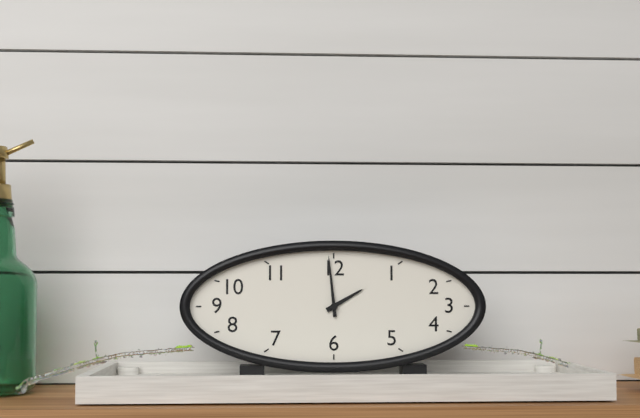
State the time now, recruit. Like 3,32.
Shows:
1,59
